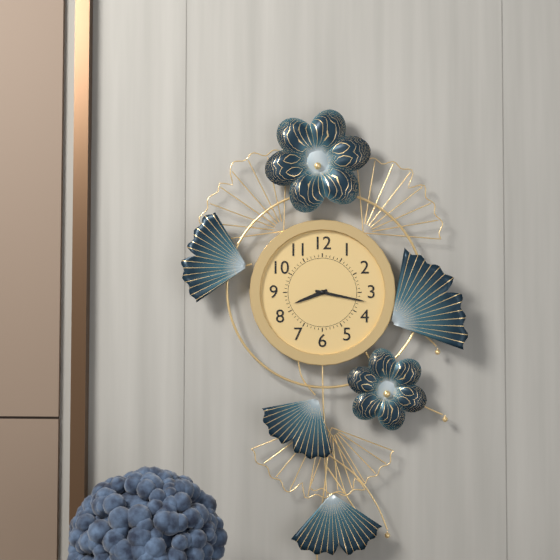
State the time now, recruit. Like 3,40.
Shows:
8,17
